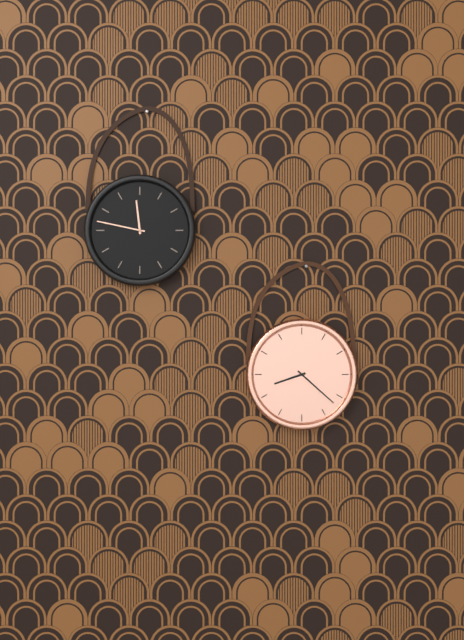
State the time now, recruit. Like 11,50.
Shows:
8,22
